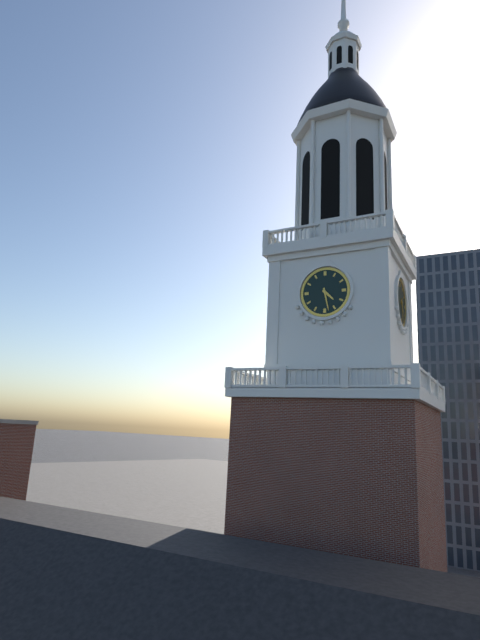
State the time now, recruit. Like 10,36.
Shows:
4,28
